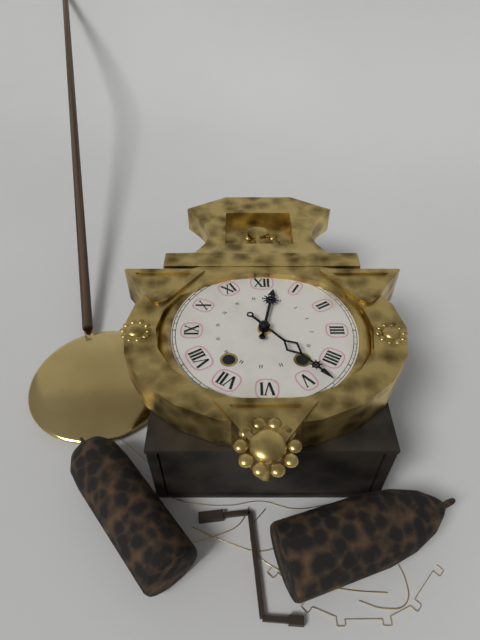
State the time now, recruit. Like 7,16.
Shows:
12,23
